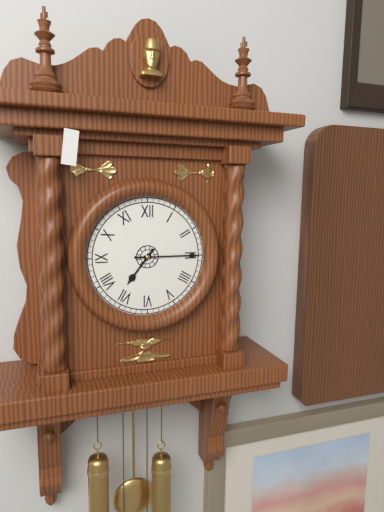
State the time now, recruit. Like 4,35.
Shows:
7,15
